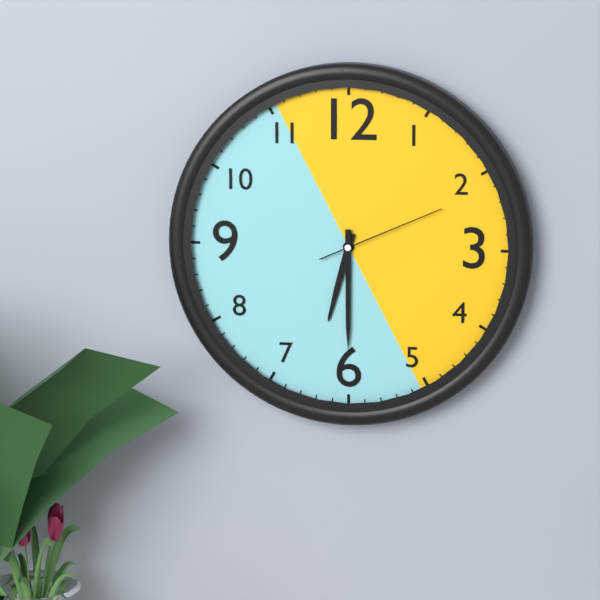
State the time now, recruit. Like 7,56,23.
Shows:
6,30,11
